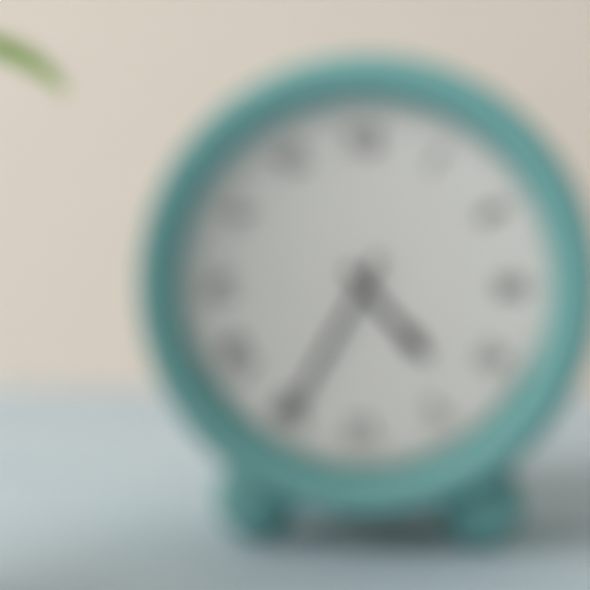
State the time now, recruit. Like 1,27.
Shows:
4,35
